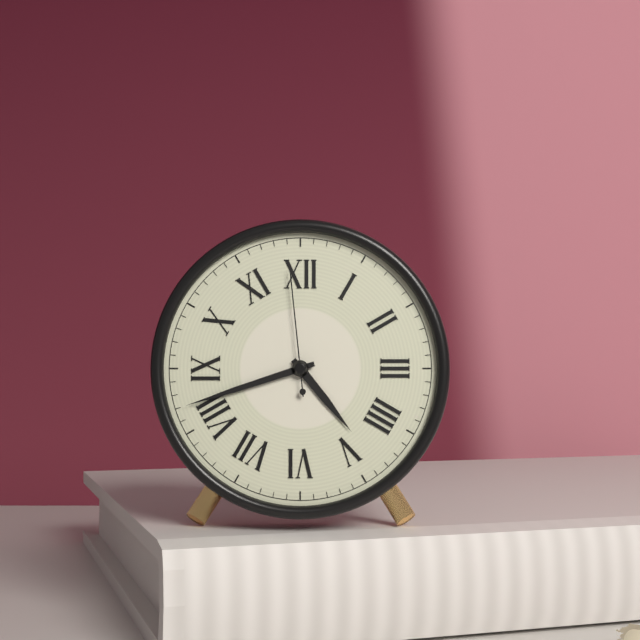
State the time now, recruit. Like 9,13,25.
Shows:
4,42,59
